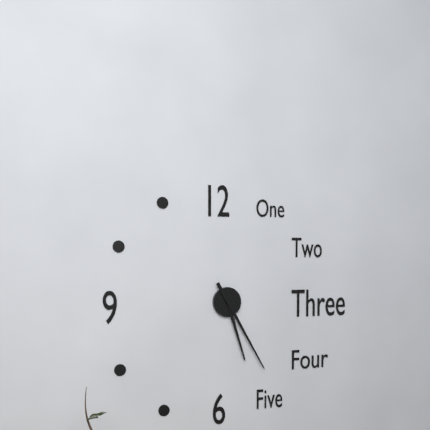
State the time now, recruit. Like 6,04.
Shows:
5,25
